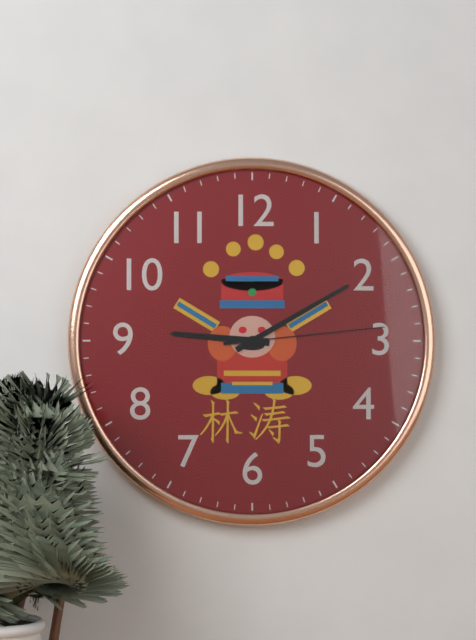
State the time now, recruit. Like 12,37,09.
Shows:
9,10,14
